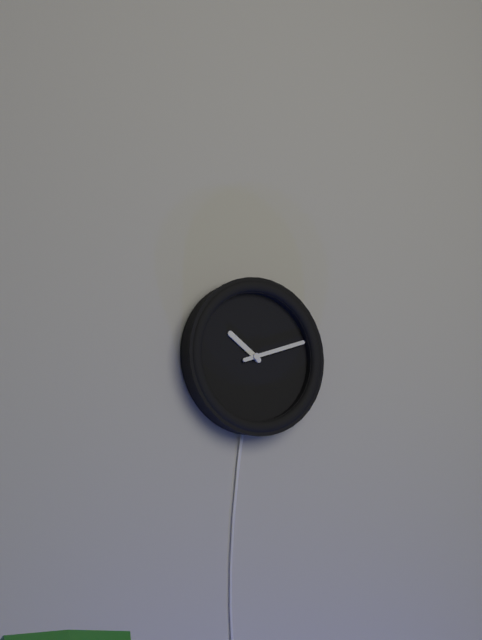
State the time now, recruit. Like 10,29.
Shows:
10,12
